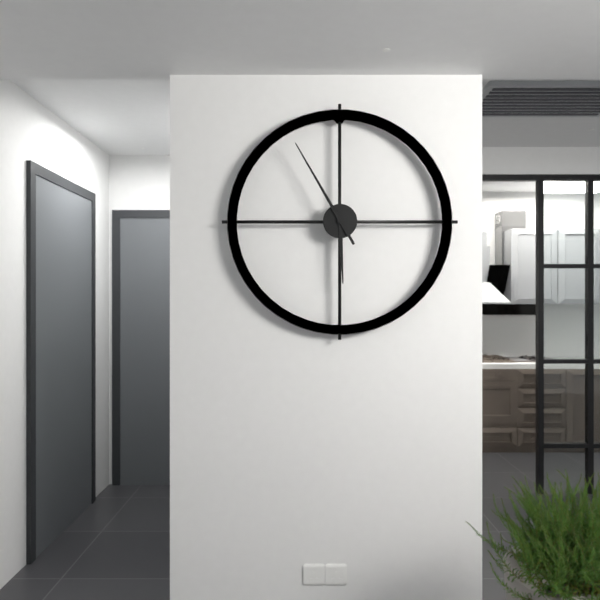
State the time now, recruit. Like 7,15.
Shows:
5,55
